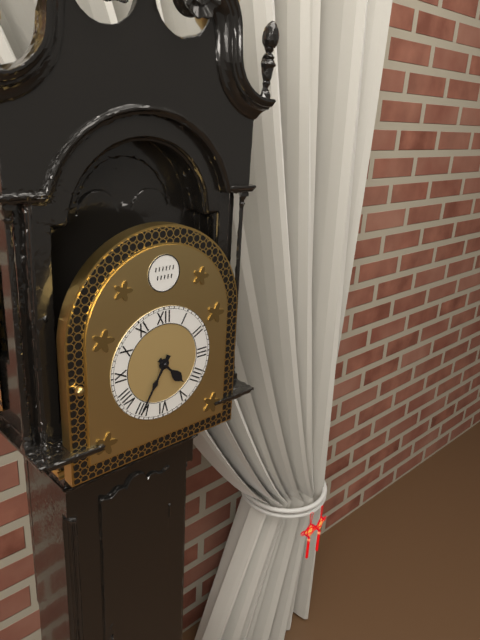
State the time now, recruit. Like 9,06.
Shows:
4,35
